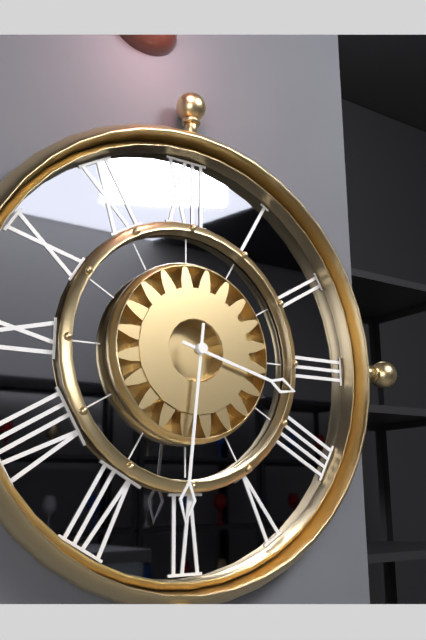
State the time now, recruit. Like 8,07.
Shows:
3,31
